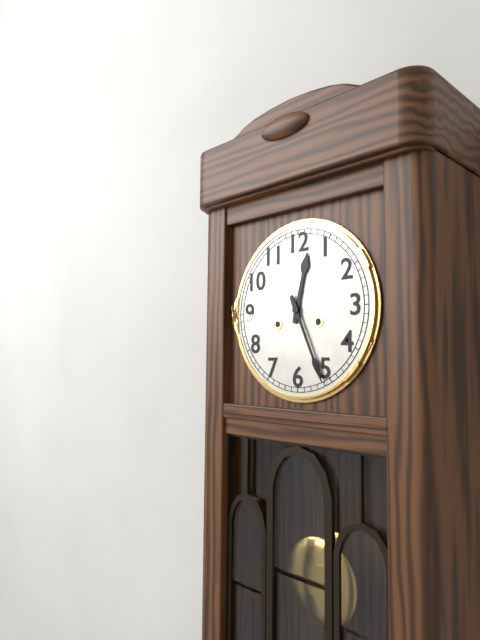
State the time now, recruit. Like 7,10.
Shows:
12,26
